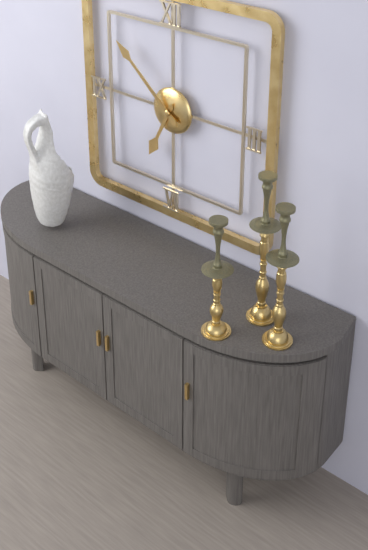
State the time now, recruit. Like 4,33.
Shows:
6,52
